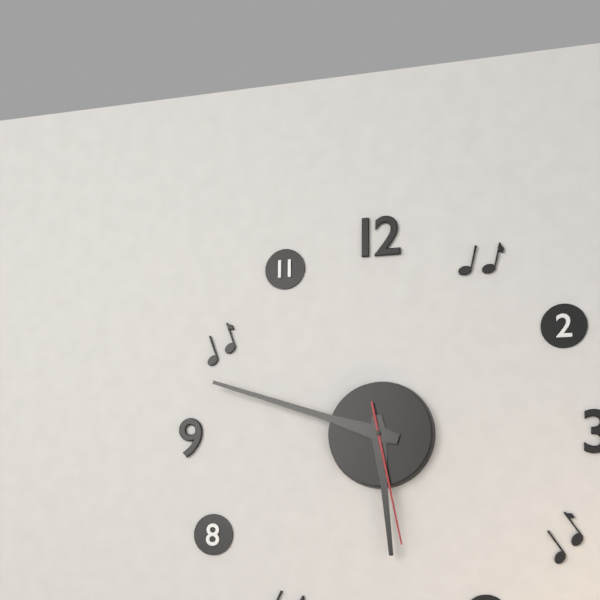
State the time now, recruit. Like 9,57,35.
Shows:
5,48,28
